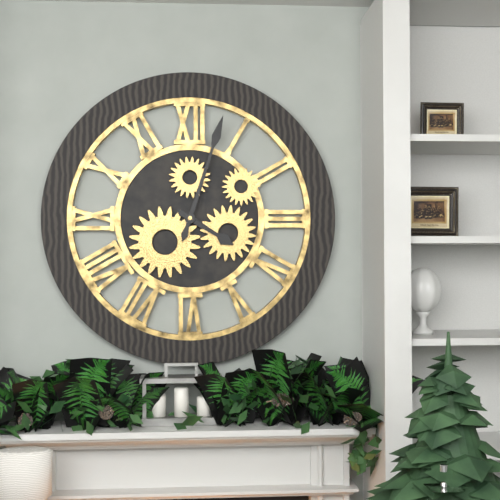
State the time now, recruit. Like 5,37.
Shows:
4,03
